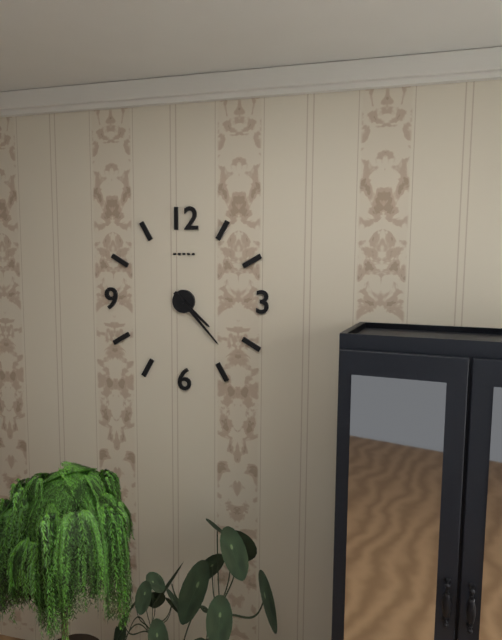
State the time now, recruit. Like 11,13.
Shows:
4,23
